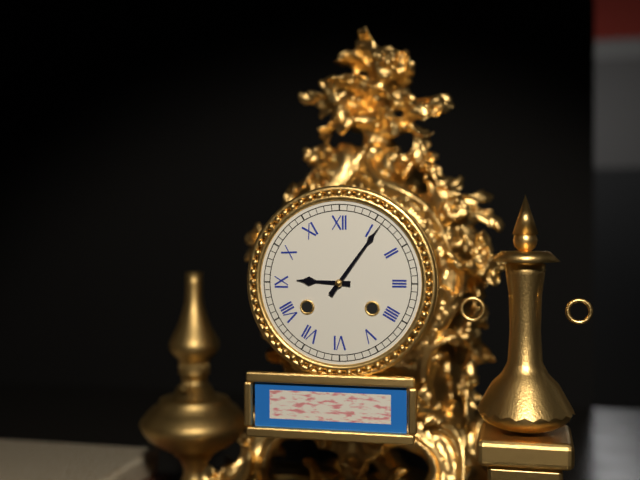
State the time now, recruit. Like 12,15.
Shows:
9,06
